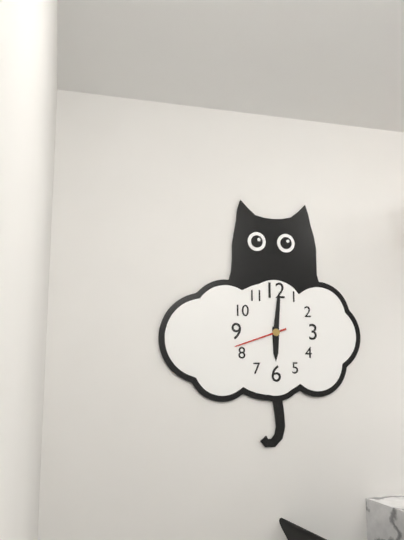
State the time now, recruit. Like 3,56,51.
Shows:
6,01,42
